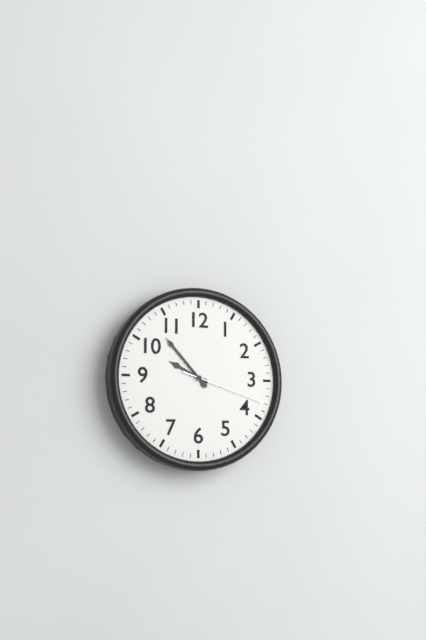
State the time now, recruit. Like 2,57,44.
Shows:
9,53,18
